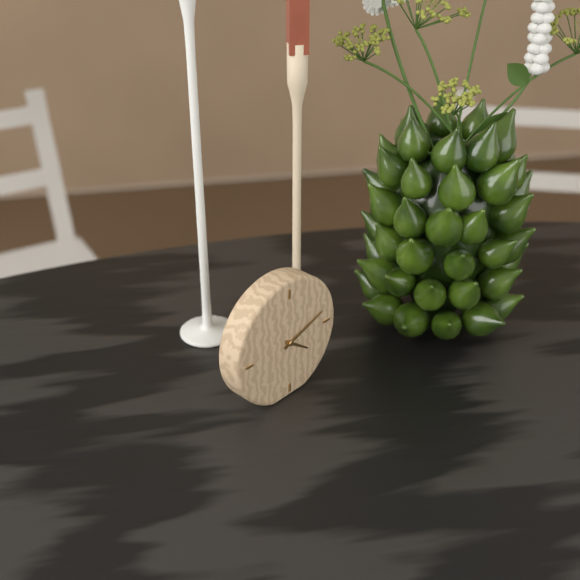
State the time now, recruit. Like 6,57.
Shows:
4,12
